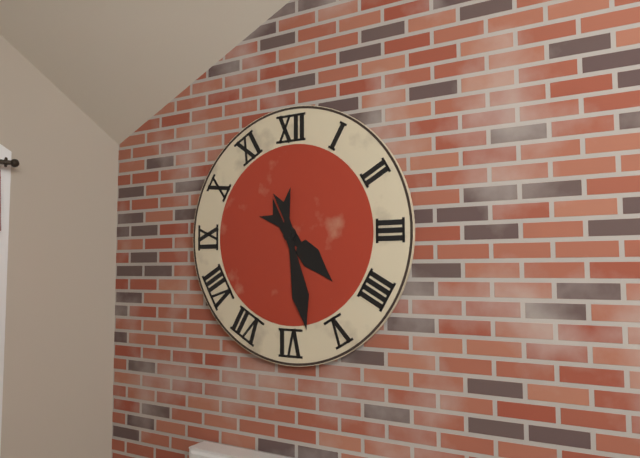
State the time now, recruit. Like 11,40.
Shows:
4,28
